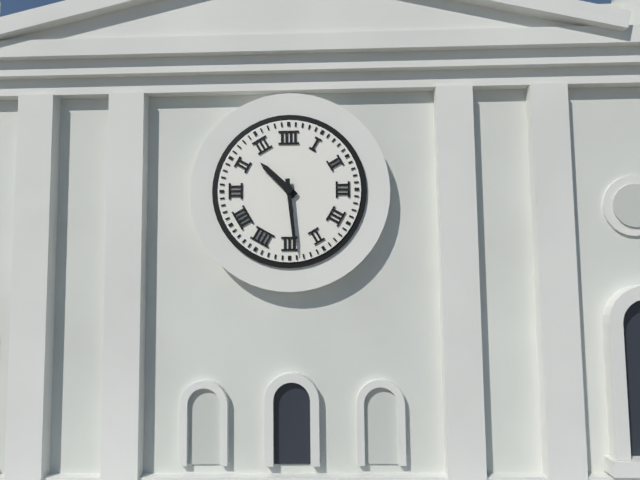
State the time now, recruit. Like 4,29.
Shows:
10,29
